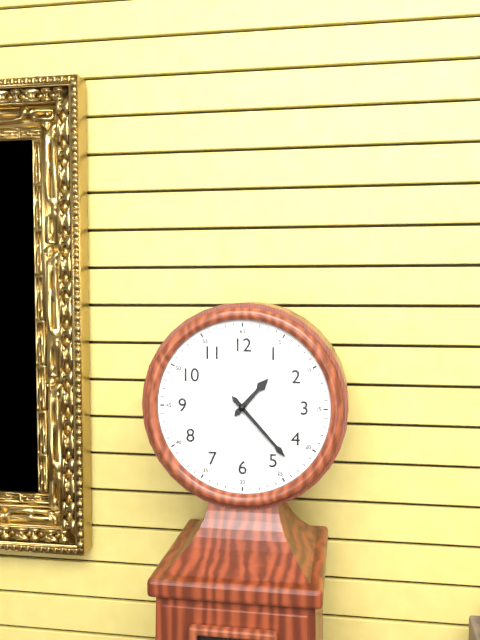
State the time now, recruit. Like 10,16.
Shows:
1,23
